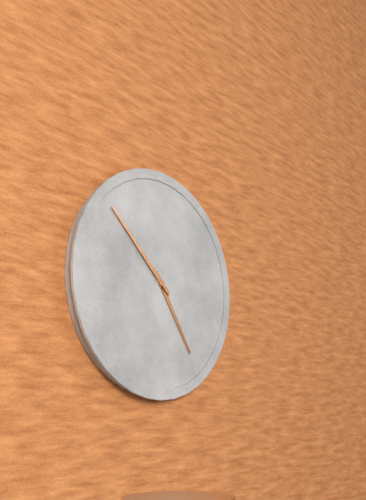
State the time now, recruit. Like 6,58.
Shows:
4,52
